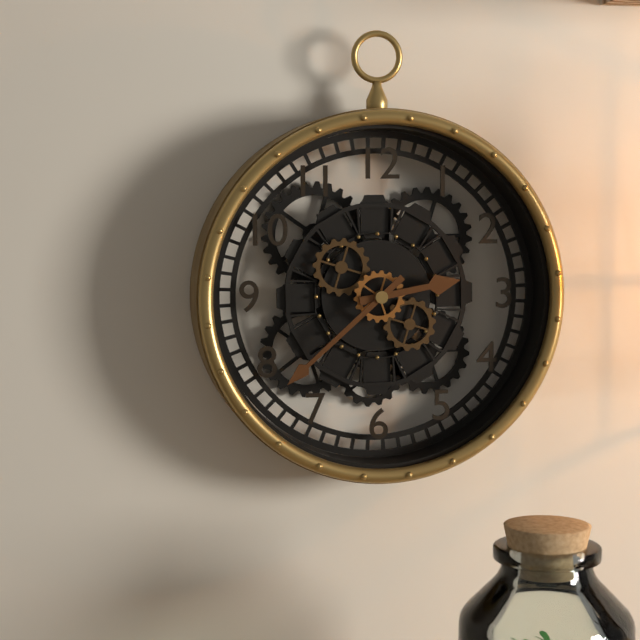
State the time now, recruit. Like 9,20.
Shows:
2,38
